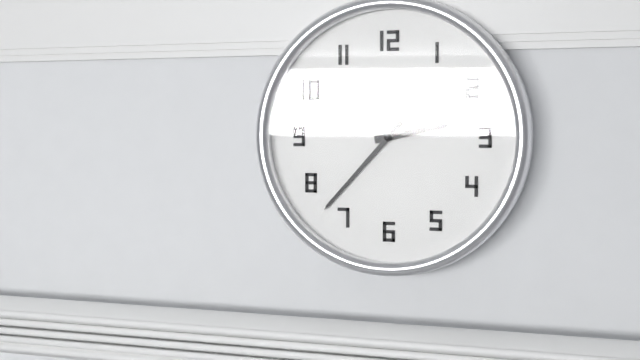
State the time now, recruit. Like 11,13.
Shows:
2,37
